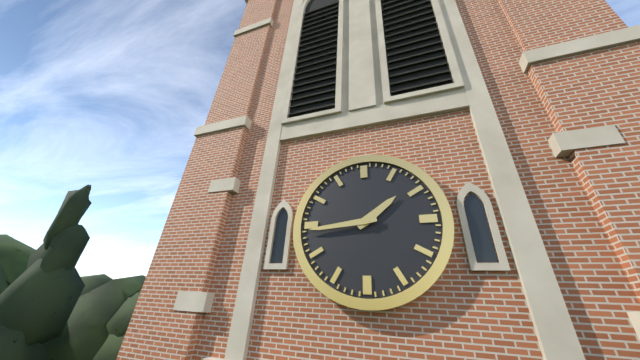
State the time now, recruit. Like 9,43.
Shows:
1,44
